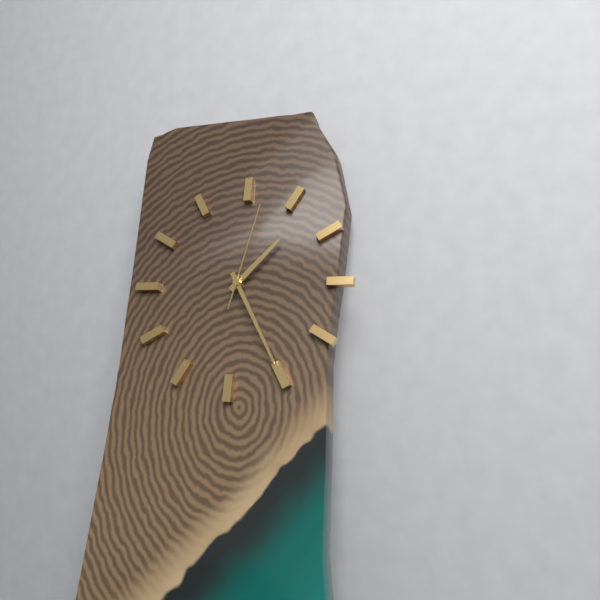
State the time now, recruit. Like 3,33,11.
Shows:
1,25,02
